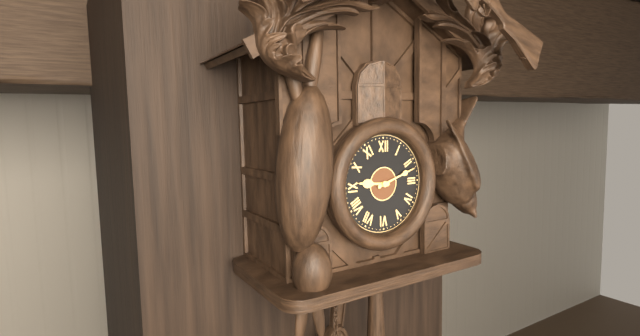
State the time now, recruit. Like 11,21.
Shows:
9,12
